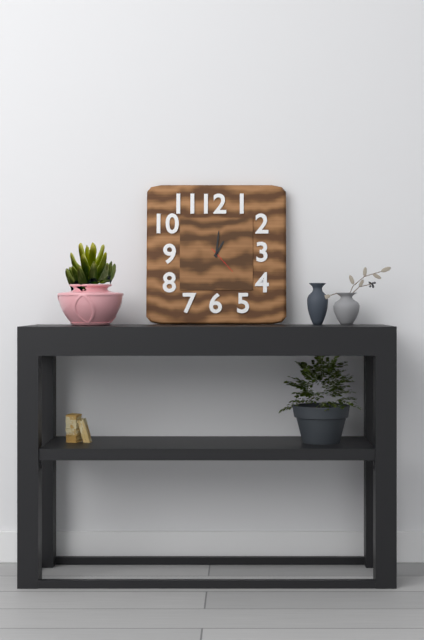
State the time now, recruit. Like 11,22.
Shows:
1,01
